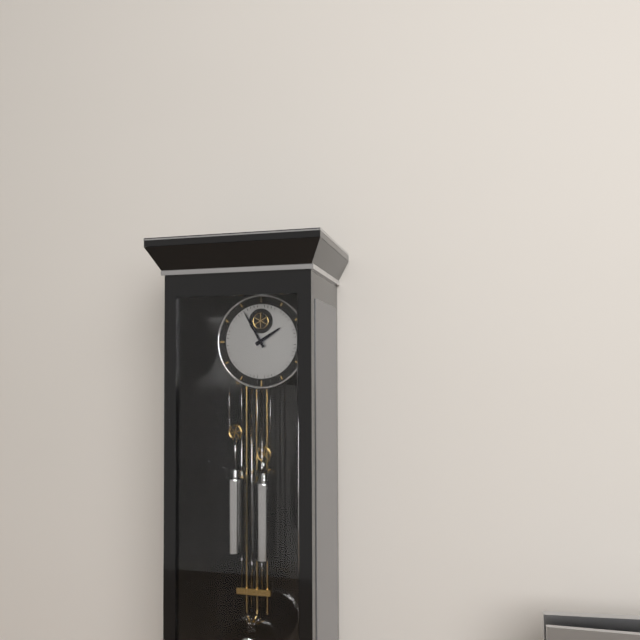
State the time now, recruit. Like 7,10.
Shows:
1,55
